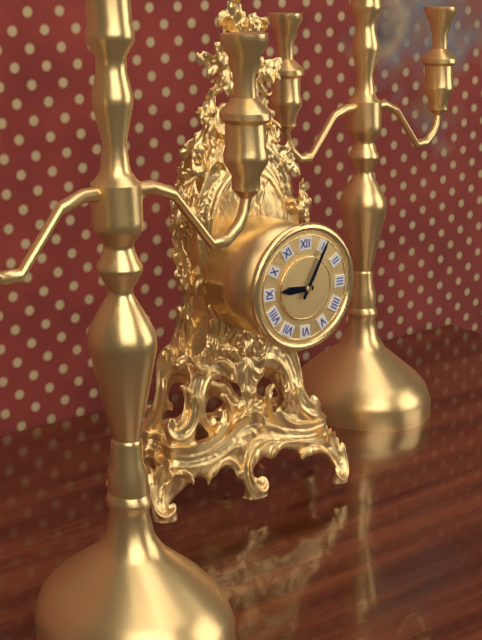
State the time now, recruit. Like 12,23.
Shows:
9,05
